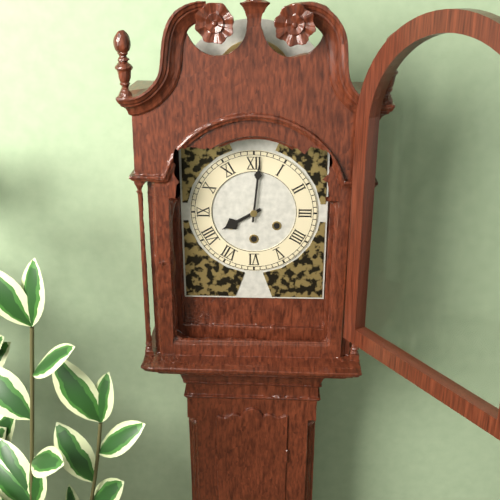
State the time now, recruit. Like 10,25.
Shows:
8,01
